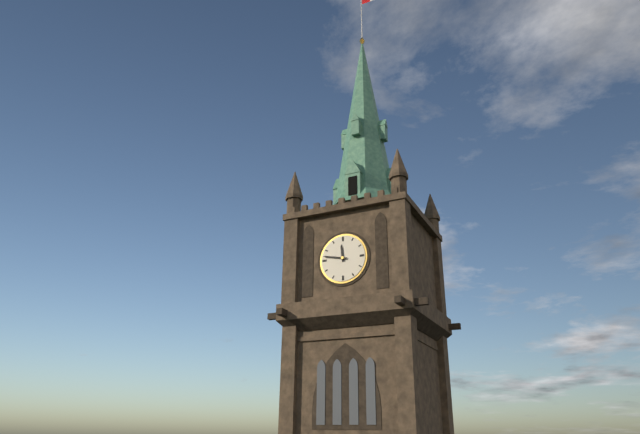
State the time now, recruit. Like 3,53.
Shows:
11,47
